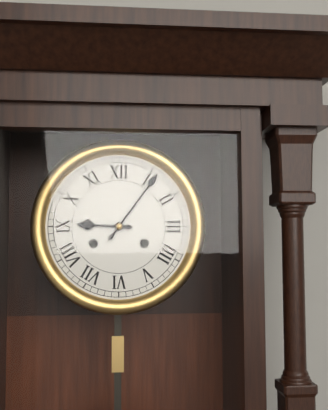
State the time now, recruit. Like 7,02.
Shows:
9,06
